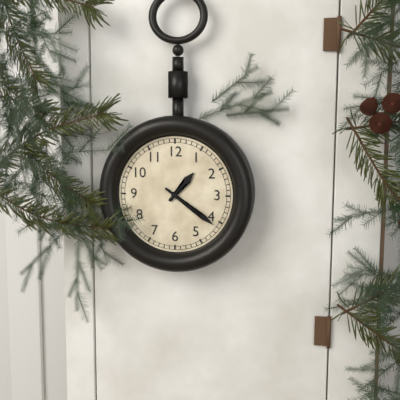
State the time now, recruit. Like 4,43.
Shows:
1,21
